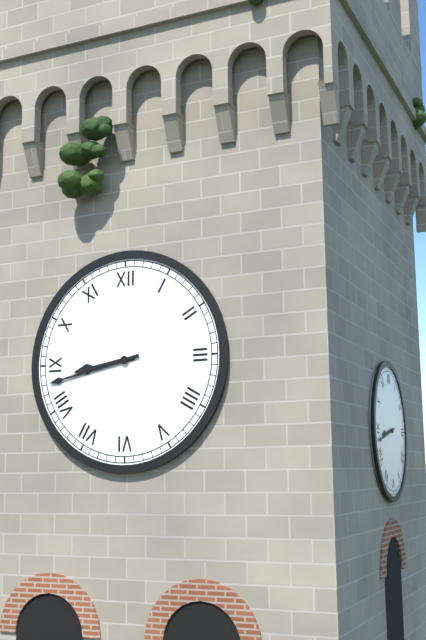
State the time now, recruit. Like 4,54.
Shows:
8,43
